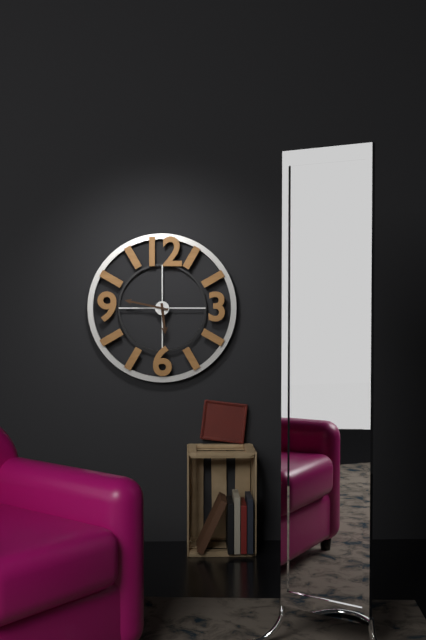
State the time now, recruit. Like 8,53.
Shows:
5,47
